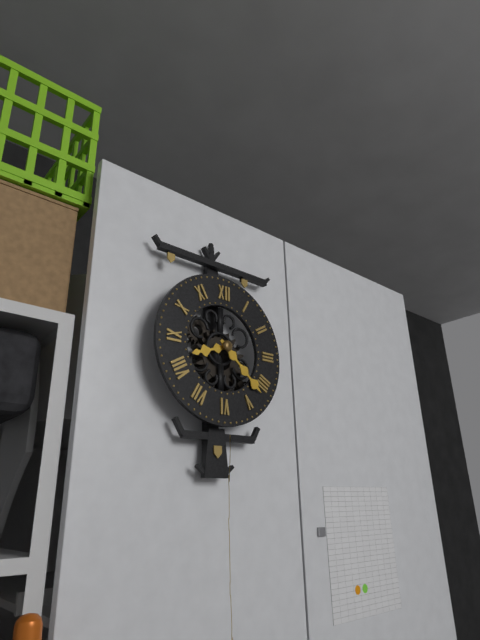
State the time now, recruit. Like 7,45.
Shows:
8,22
